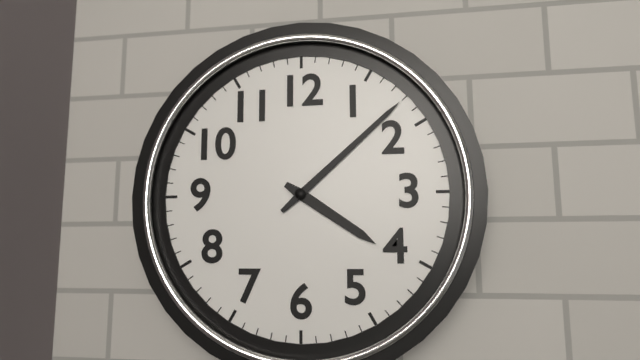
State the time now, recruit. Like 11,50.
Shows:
4,08
